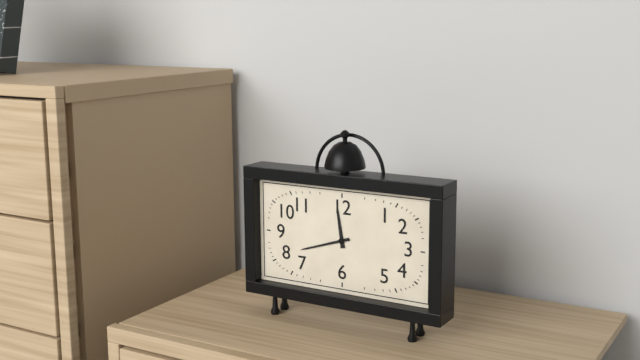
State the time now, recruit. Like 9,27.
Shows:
11,42
